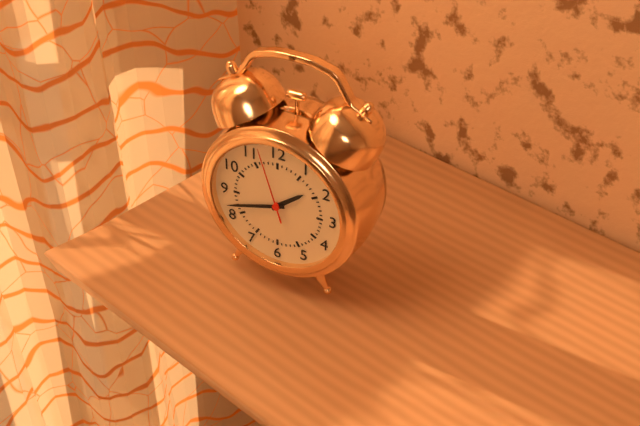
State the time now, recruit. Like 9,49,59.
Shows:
1,42,57
